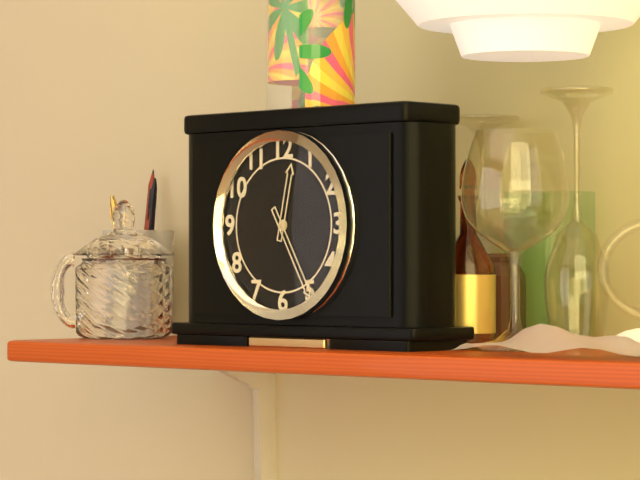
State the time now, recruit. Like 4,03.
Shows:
12,25
